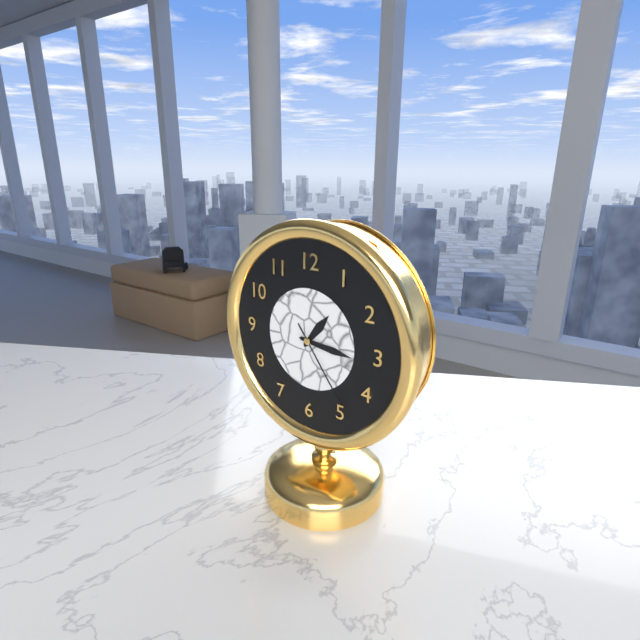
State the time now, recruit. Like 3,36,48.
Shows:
1,16,24
